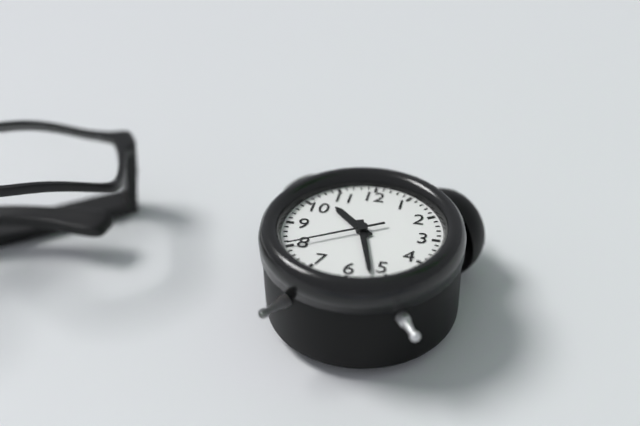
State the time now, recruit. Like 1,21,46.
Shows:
10,27,40
